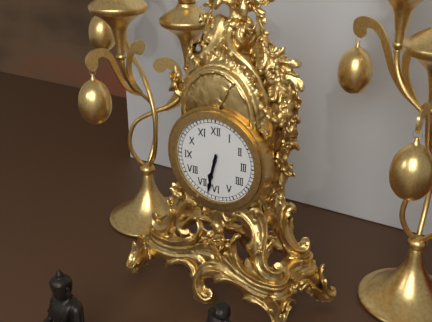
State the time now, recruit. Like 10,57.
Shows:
6,32
